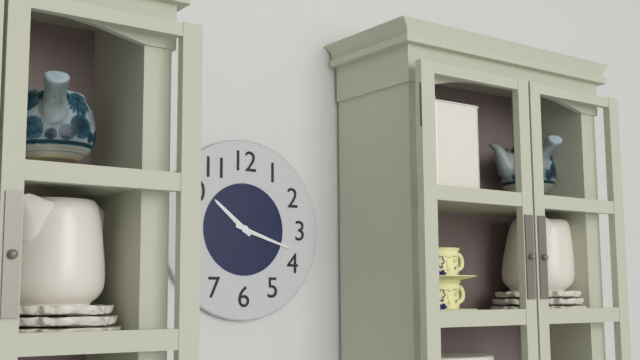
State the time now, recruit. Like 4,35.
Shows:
10,18
